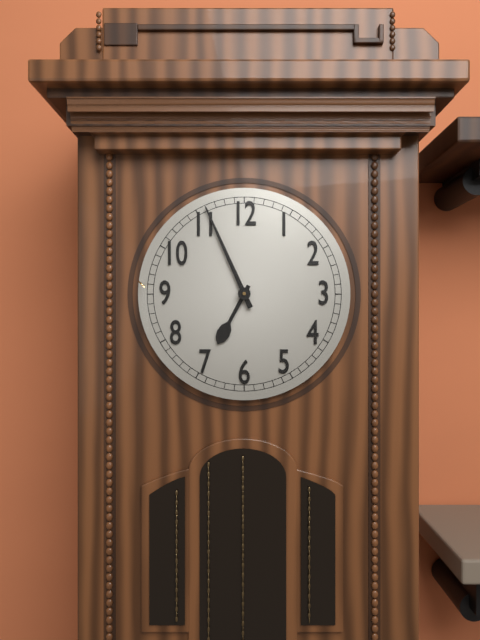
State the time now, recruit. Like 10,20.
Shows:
6,56
